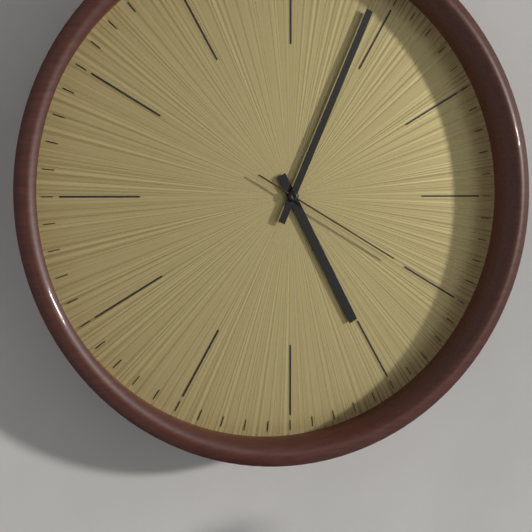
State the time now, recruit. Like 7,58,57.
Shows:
5,04,20
